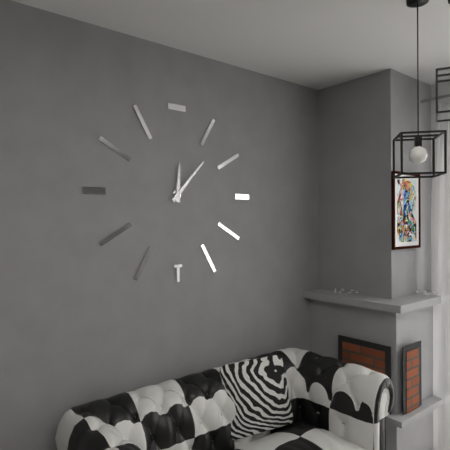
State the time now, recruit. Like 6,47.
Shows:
12,07
